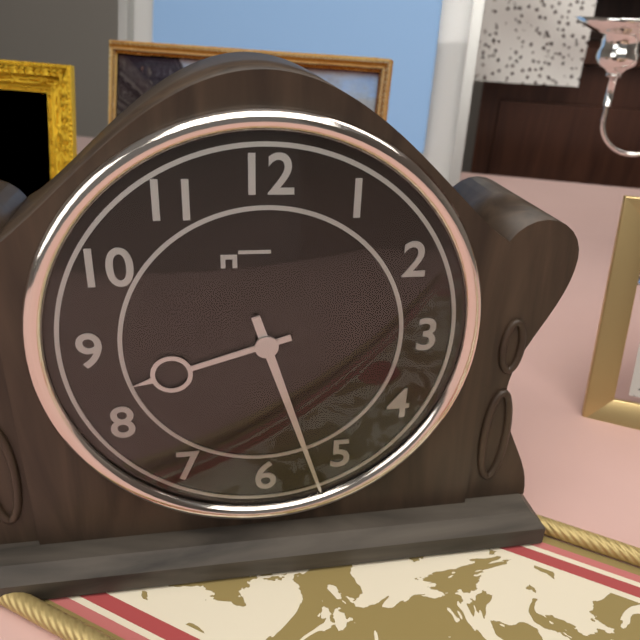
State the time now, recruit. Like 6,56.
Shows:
8,27
